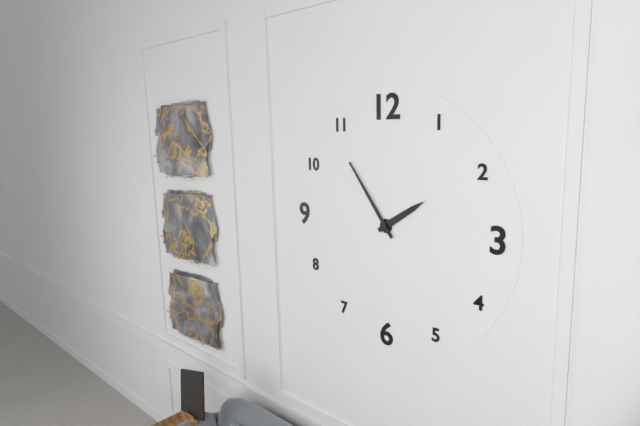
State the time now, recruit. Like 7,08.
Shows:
1,54
